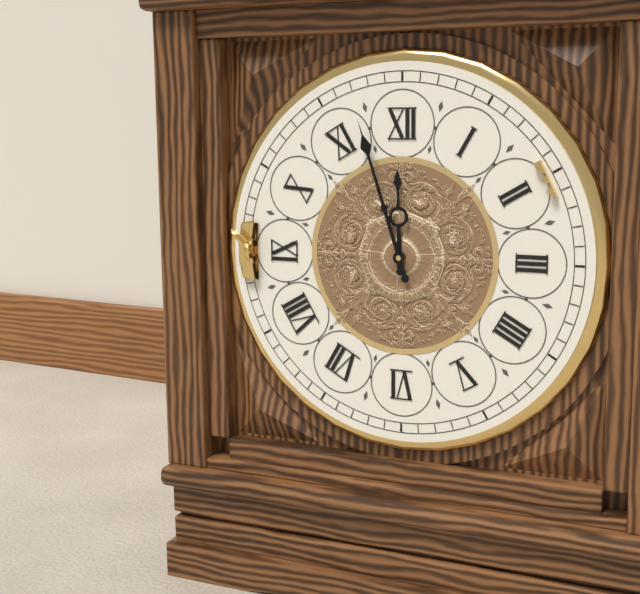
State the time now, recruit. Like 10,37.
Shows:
11,57
